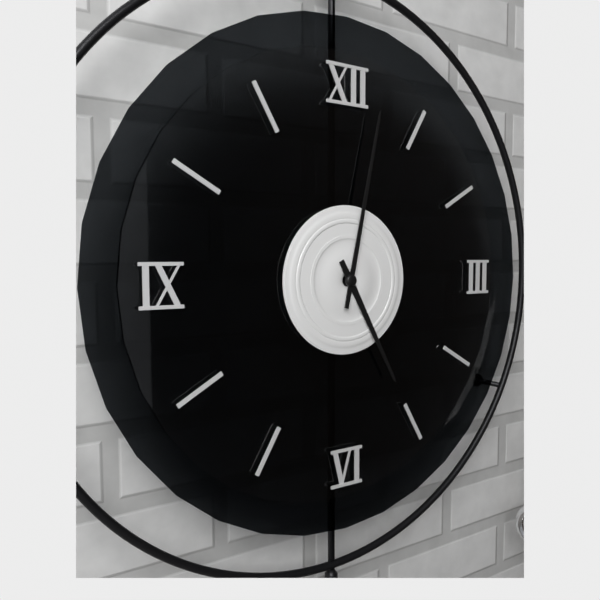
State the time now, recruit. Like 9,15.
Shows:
5,02
